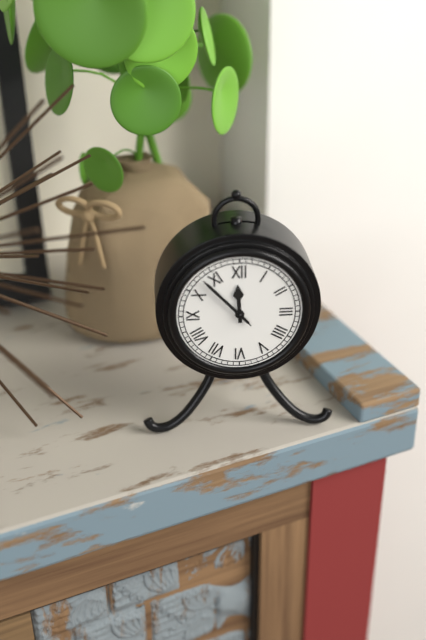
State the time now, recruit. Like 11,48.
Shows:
11,53
